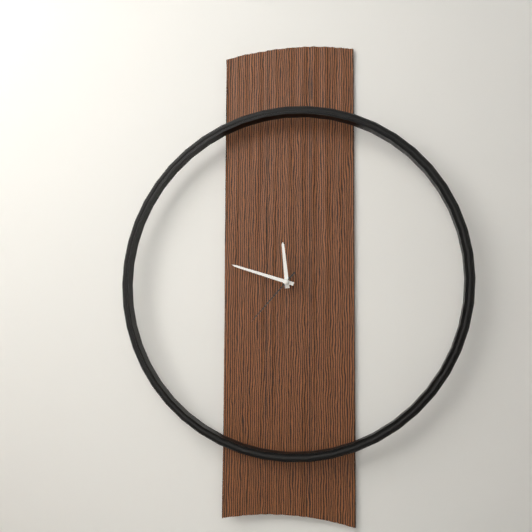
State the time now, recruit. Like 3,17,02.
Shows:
11,48,37
